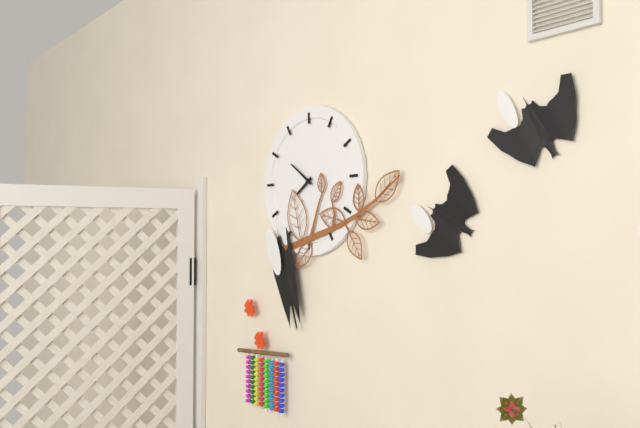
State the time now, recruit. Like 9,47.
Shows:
7,51
